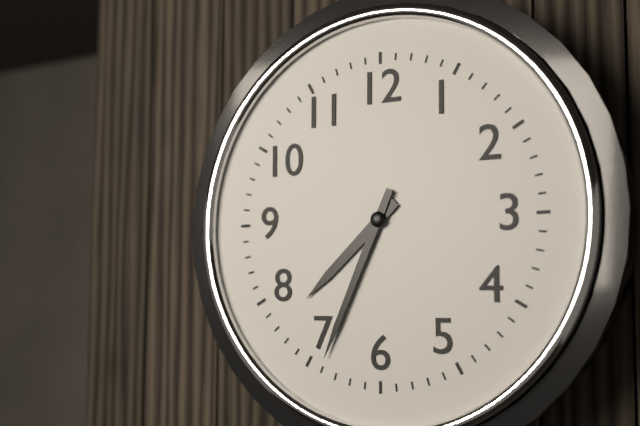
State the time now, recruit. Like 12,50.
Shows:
7,34
